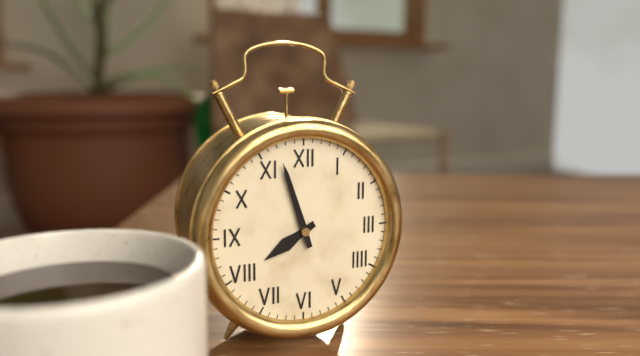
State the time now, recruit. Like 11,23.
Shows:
7,57
